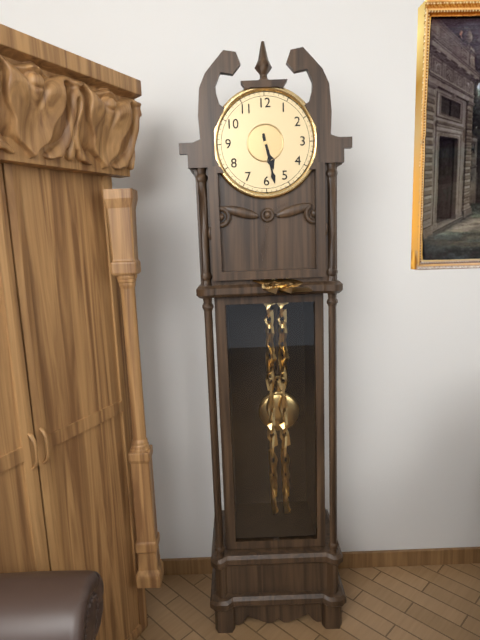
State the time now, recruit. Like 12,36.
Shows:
5,28
